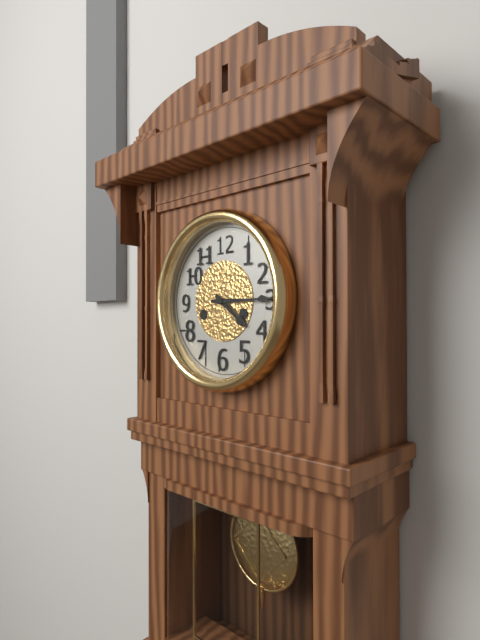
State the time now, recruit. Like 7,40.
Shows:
4,15
